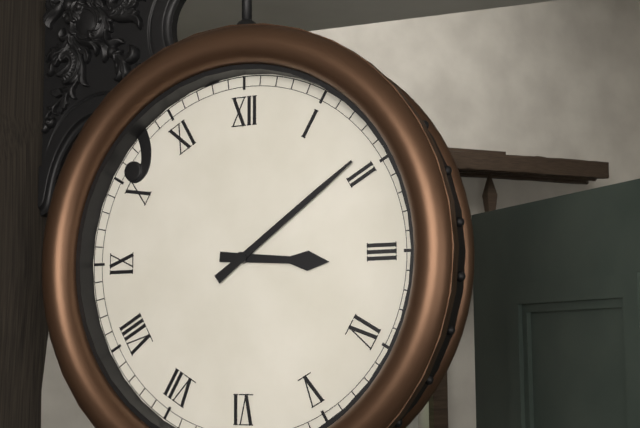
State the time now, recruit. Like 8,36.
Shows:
3,09
